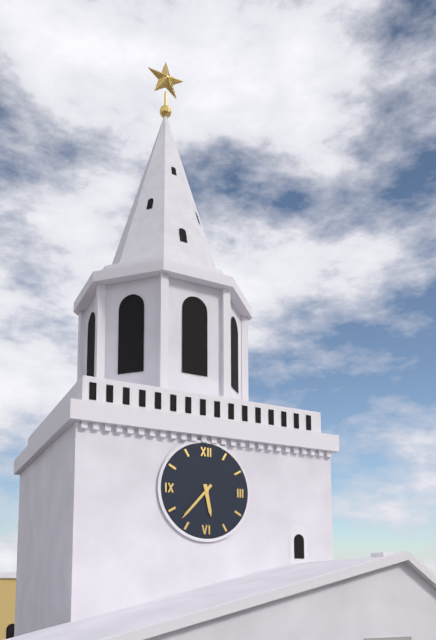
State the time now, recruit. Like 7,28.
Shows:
5,37
